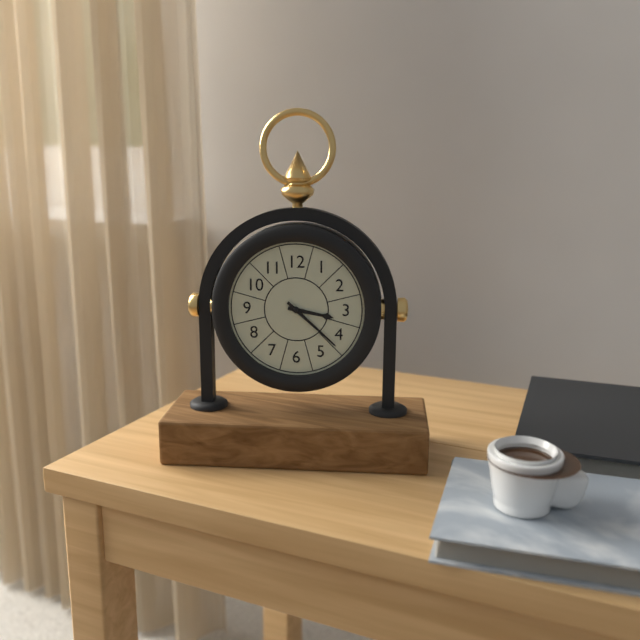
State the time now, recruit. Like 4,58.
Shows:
3,22
